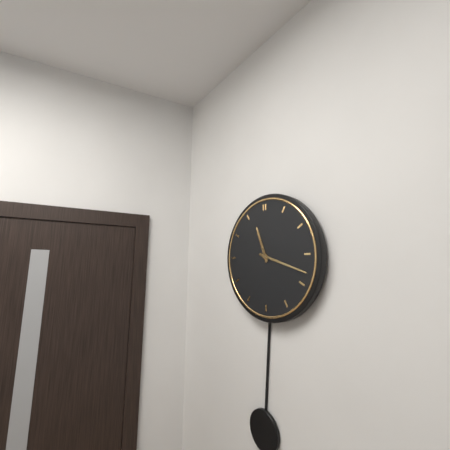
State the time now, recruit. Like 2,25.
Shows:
11,18
